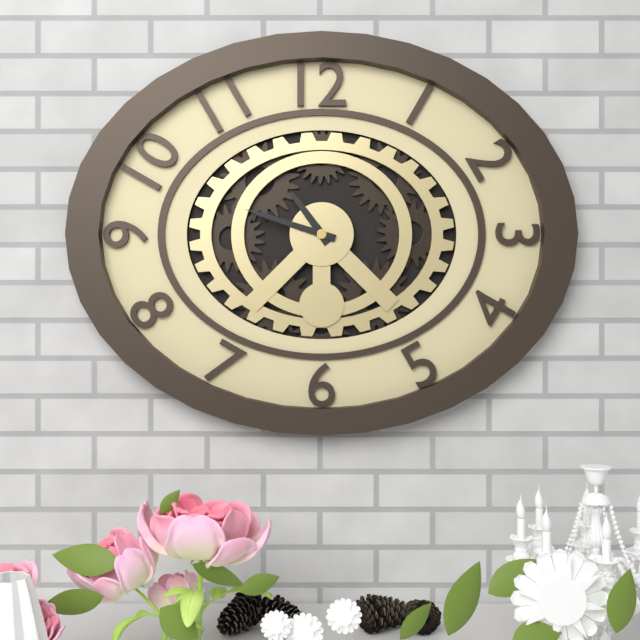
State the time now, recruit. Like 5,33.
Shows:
10,48
